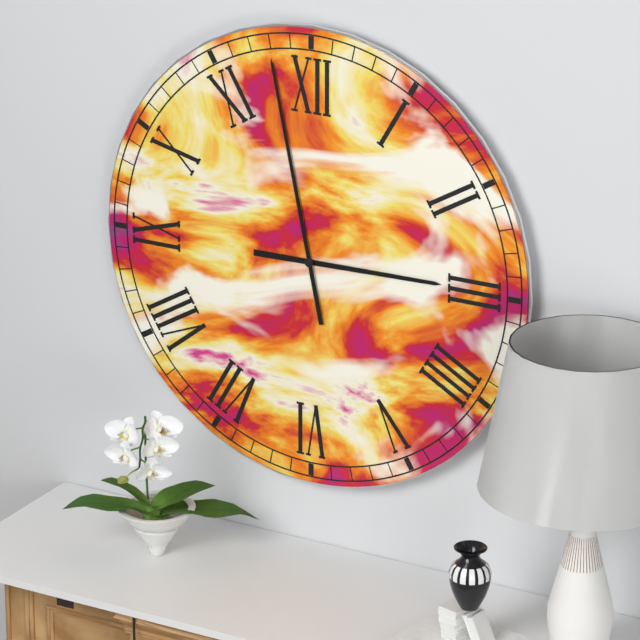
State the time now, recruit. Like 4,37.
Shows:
2,58
